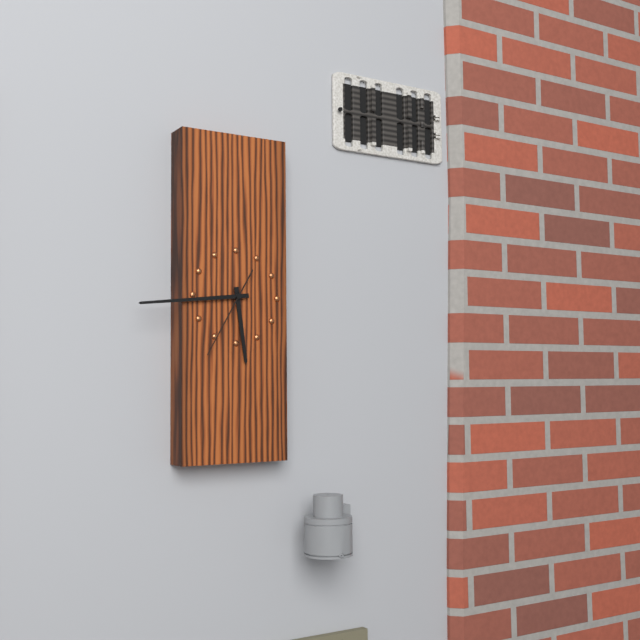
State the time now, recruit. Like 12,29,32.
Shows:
5,44,35
